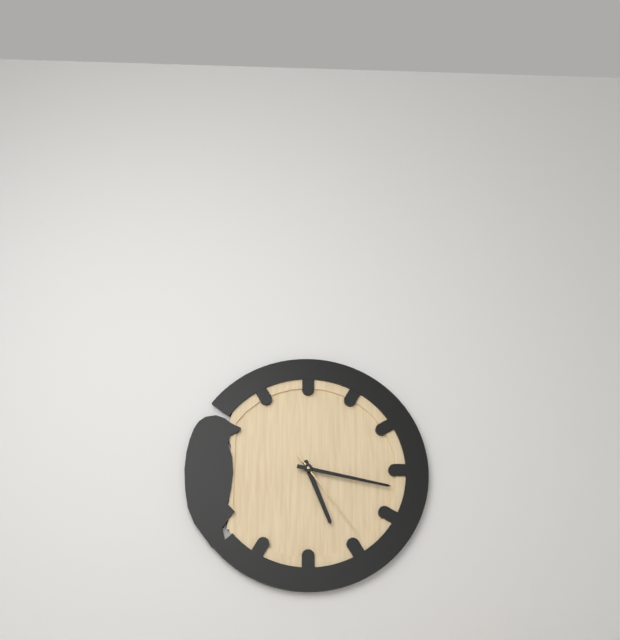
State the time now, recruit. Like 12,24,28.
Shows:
5,17,24
